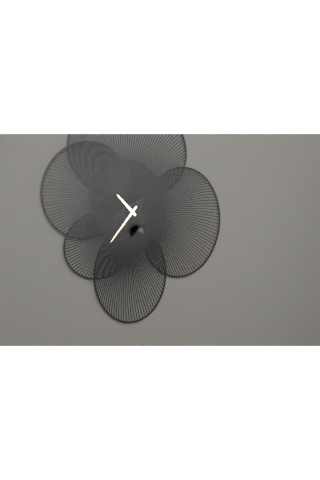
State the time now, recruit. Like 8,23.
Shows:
10,36
